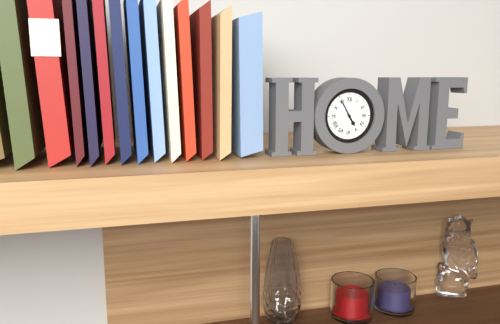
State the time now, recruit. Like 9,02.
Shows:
4,55
